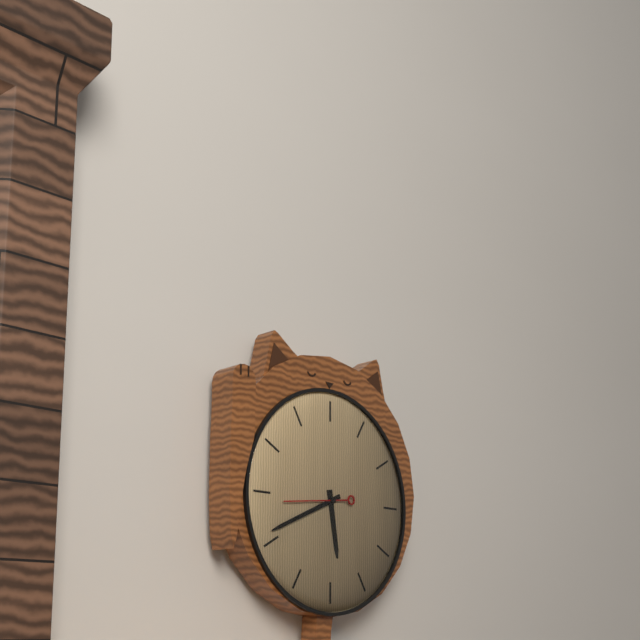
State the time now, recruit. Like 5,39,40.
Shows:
5,41,44
